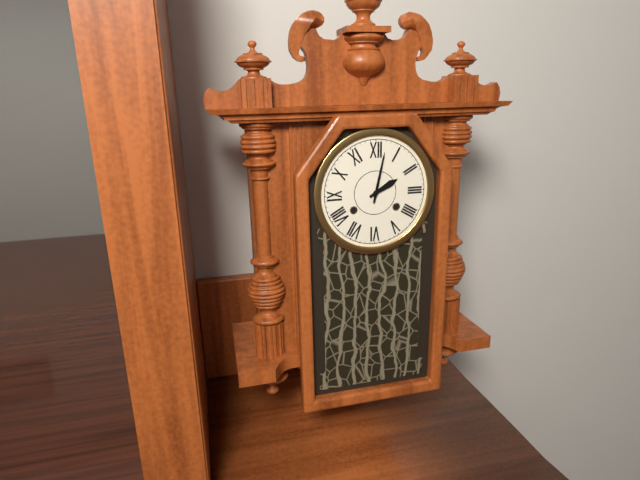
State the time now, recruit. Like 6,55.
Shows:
2,02
